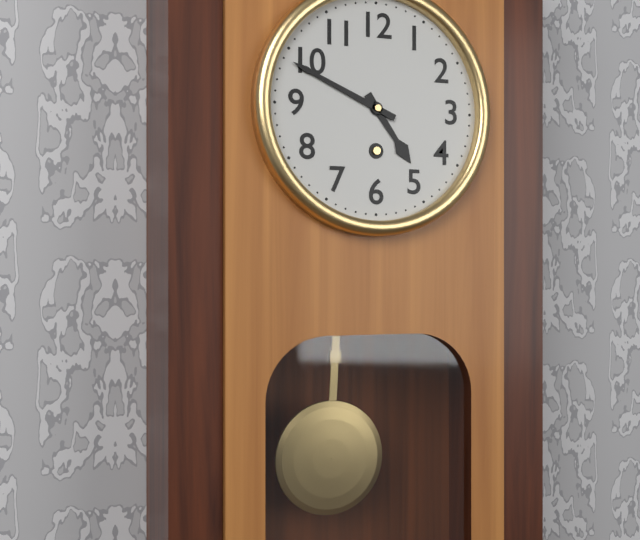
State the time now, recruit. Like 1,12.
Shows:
4,49
